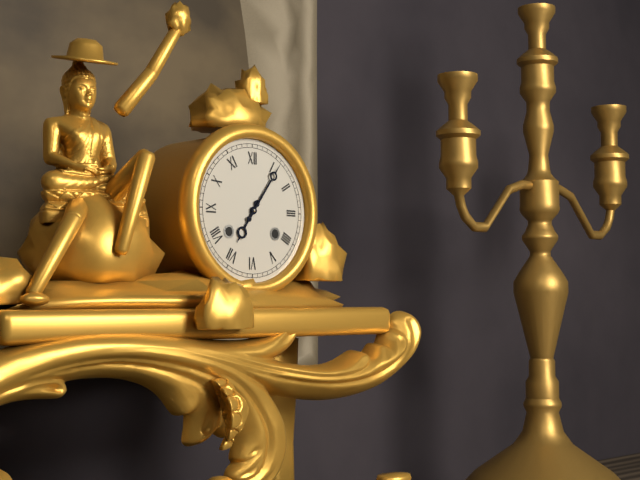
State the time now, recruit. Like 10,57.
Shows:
7,06
